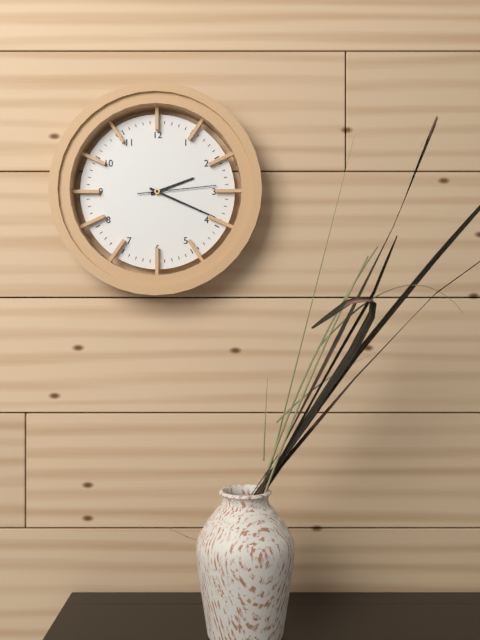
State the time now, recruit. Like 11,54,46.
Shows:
2,19,14
